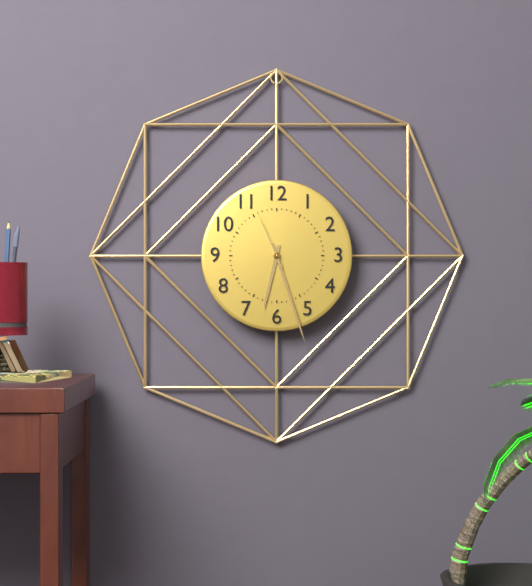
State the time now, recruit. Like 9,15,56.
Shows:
6,27,56
